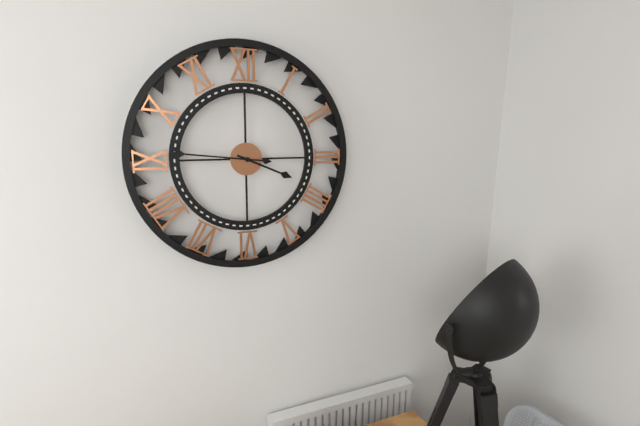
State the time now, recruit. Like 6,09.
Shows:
3,46
